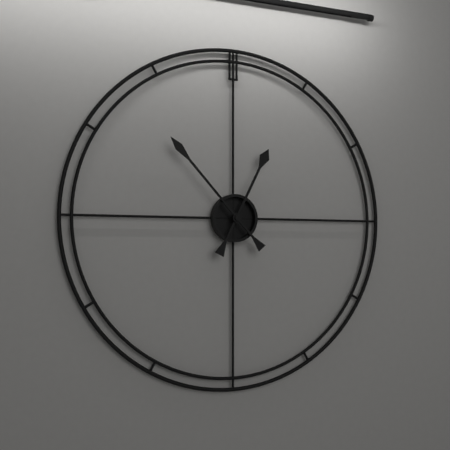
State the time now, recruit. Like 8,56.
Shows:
12,53
